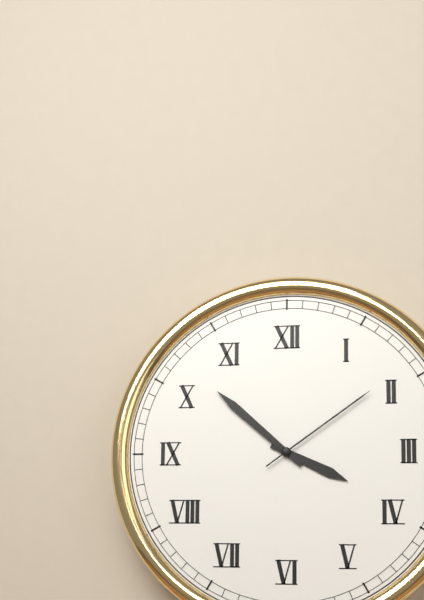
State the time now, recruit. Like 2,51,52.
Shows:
3,52,09
